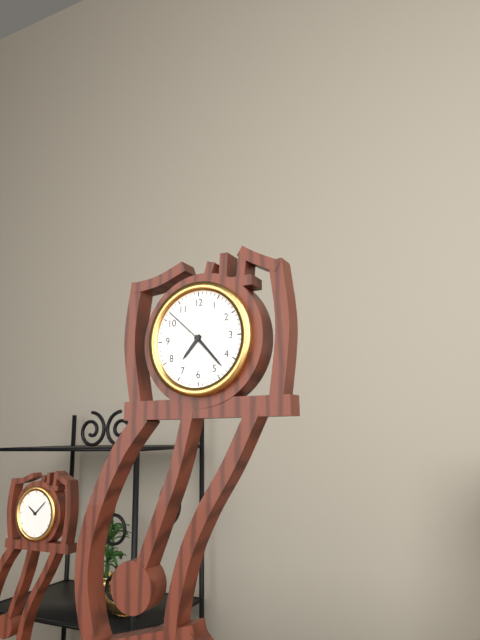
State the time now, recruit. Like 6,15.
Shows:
7,23
